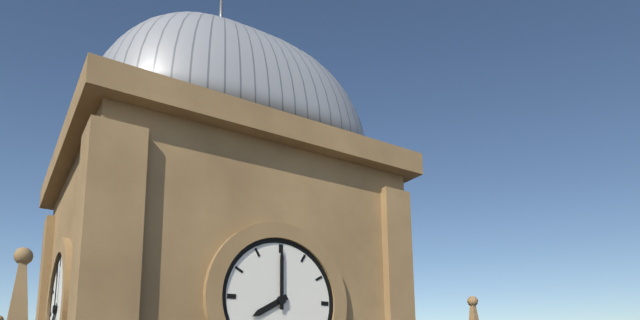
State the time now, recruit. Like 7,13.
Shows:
8,00
